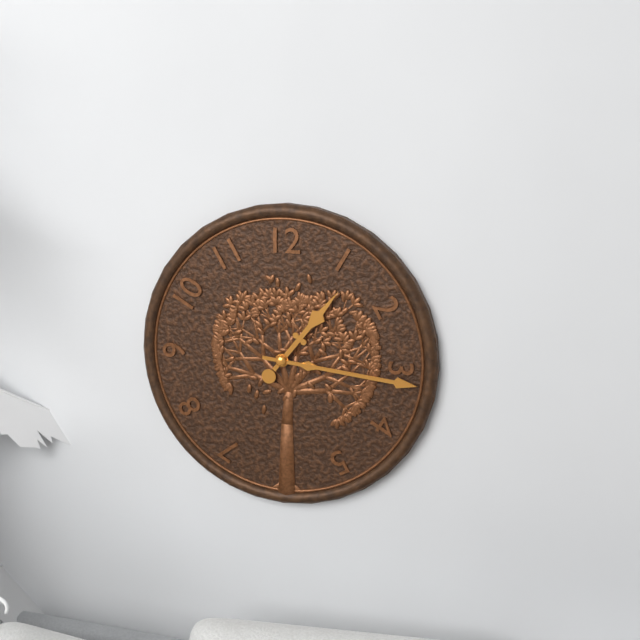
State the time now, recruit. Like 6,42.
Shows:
1,16
